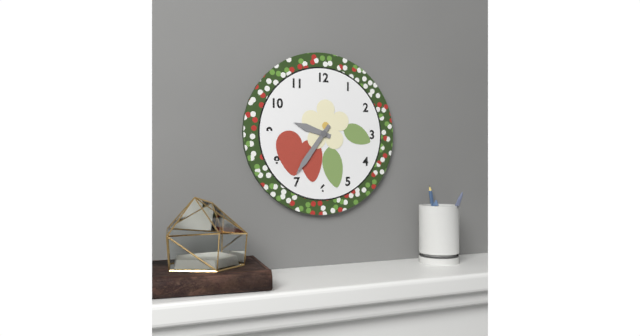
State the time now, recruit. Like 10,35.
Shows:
9,36
